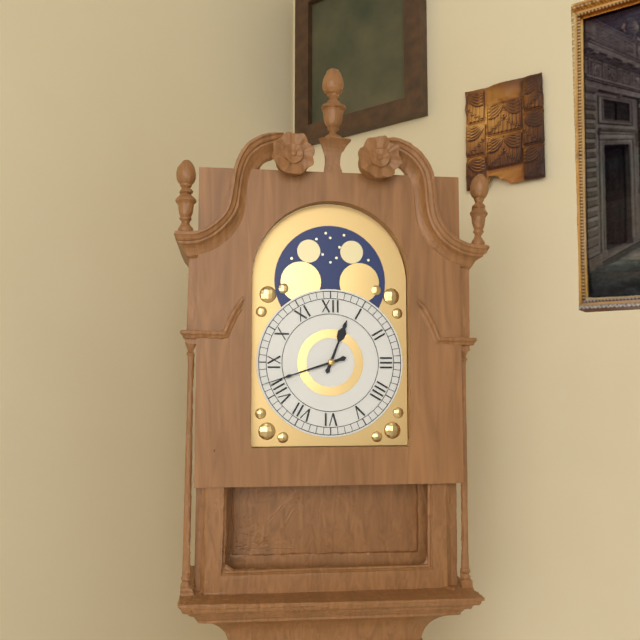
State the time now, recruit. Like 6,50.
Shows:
12,42
